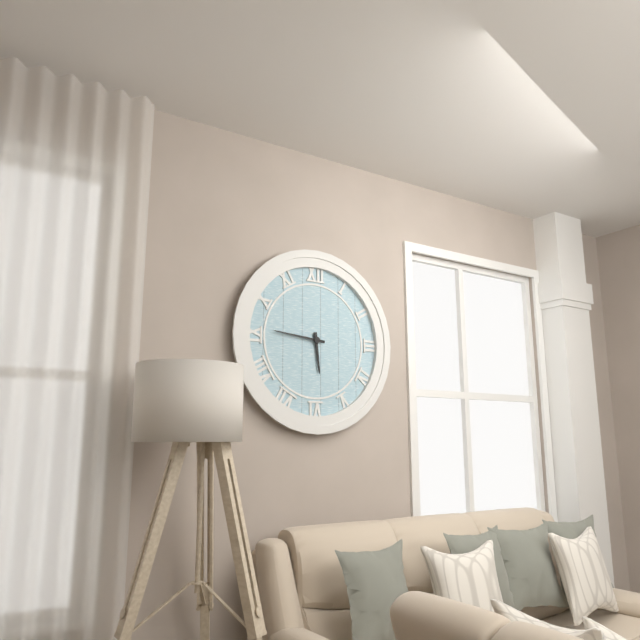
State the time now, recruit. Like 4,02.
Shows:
5,46
